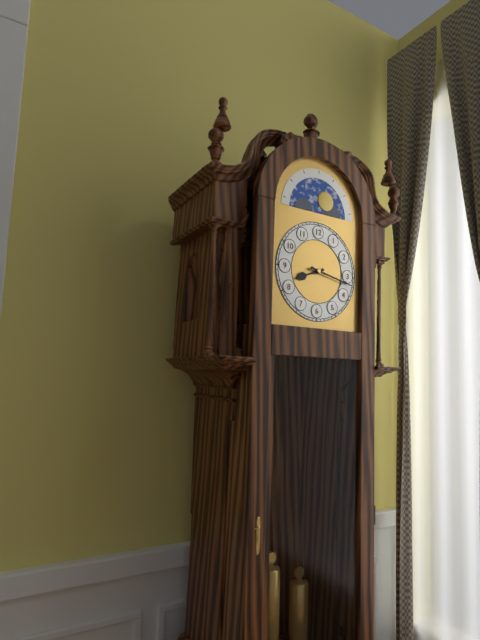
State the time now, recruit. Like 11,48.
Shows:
8,17
